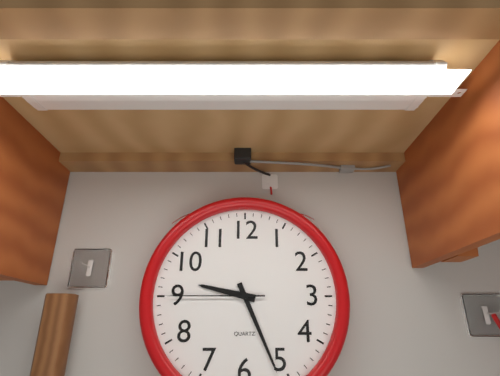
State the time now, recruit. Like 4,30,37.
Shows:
9,26,45
